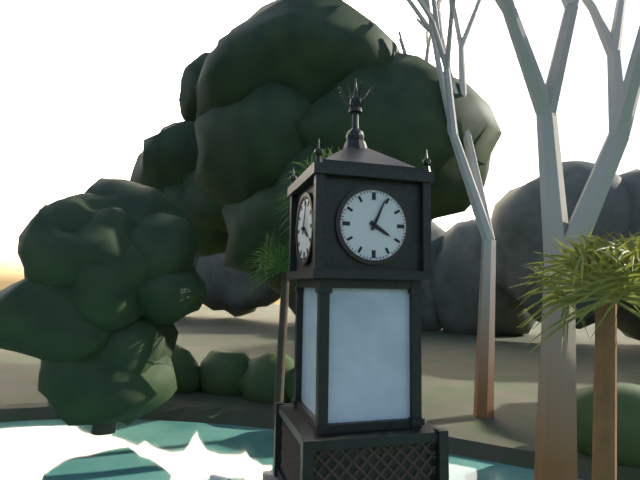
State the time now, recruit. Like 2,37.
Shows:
4,04
